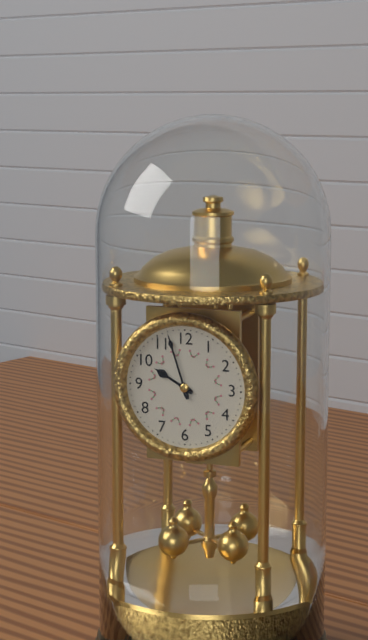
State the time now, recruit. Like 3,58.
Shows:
9,57
